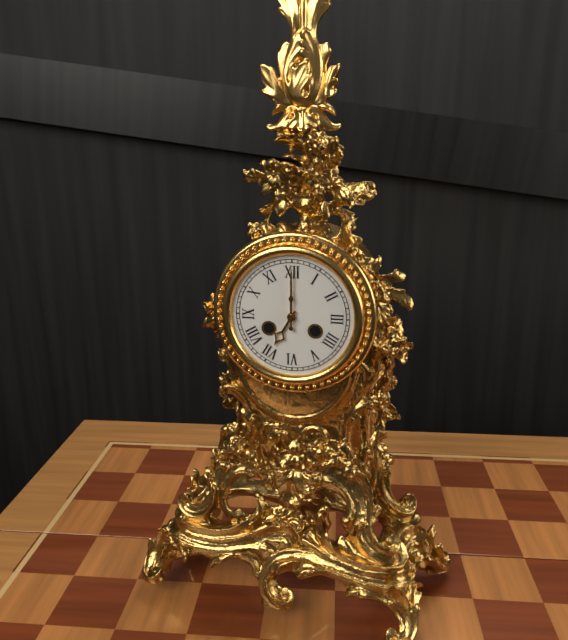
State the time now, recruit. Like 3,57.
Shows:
7,00
